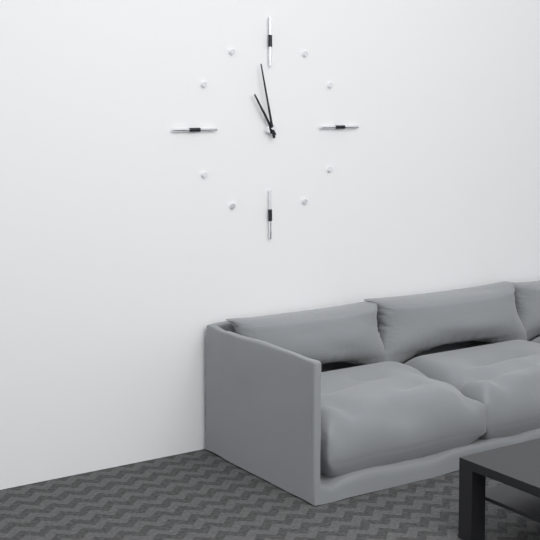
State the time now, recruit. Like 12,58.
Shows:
10,58
